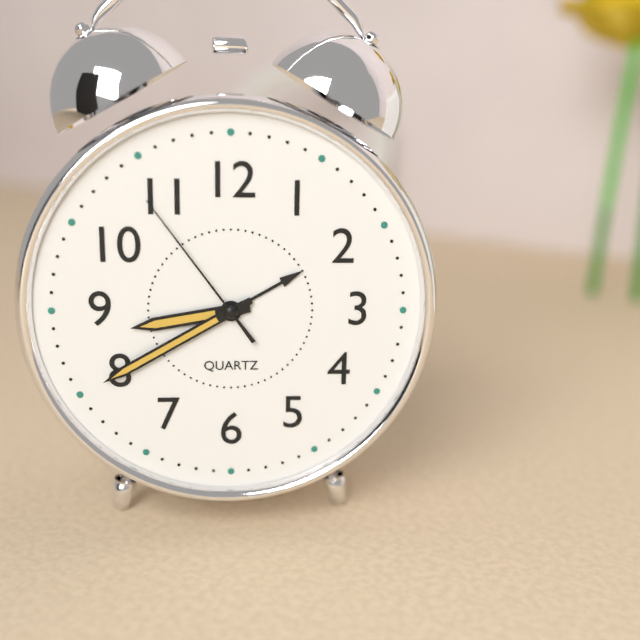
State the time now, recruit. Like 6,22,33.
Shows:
8,40,54
